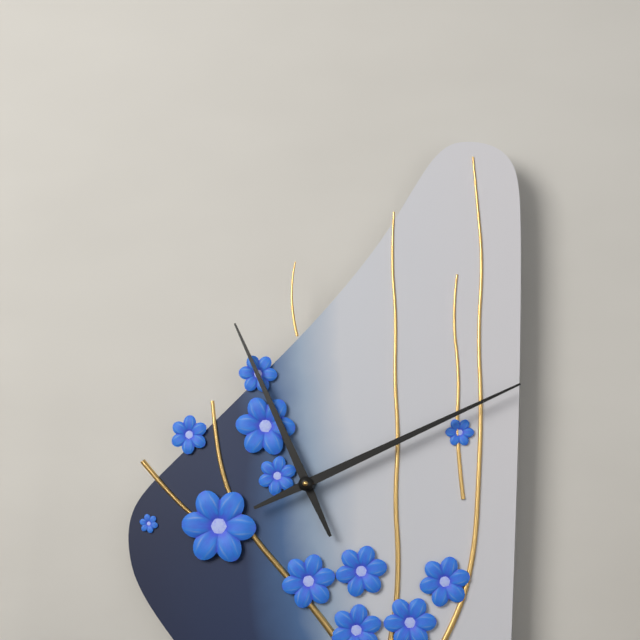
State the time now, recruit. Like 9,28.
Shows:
11,11
